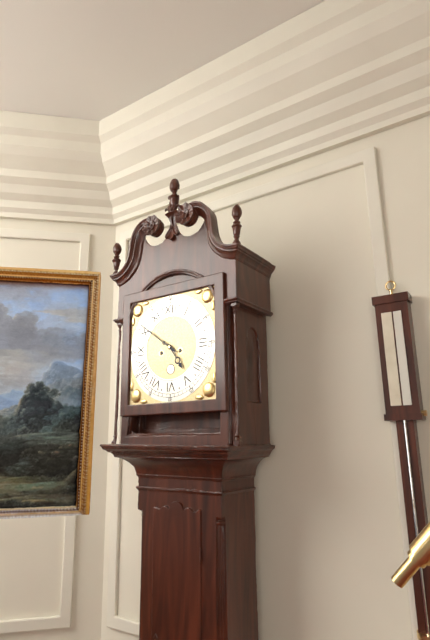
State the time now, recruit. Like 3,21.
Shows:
4,51
